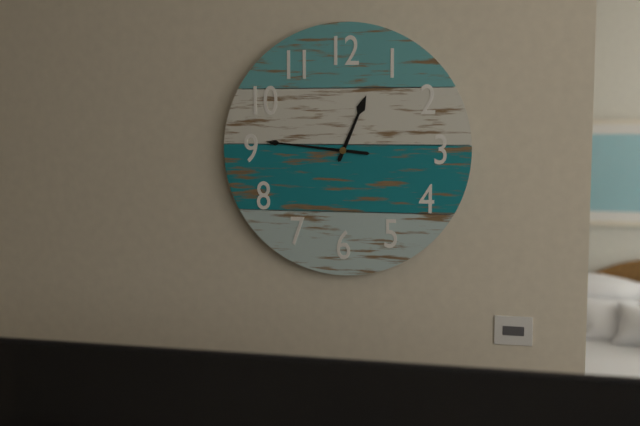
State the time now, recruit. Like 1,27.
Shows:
12,46
